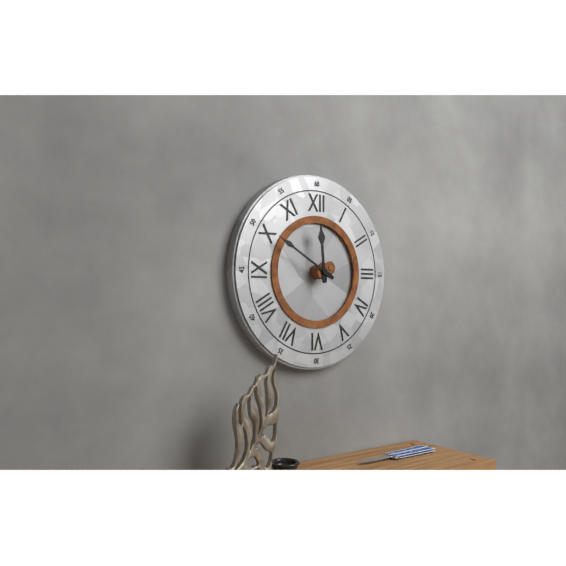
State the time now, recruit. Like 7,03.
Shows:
11,50
